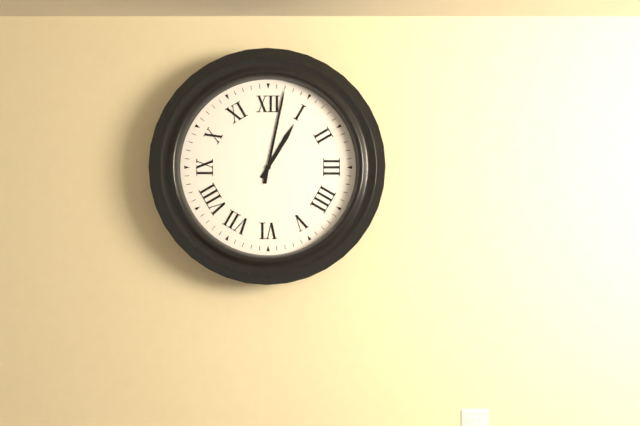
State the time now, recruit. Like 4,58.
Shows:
1,02
